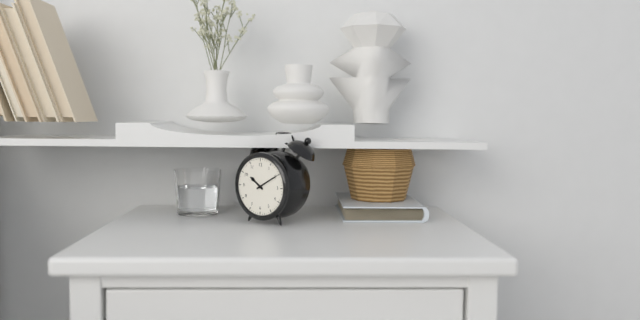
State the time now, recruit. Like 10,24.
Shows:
10,10
